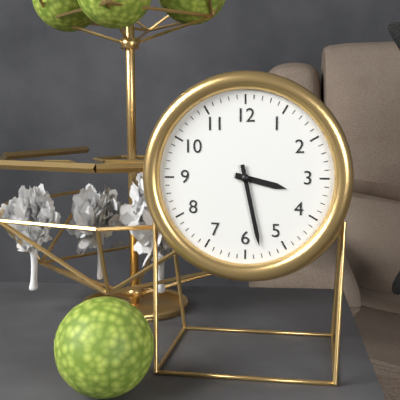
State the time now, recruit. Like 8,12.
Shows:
3,28
